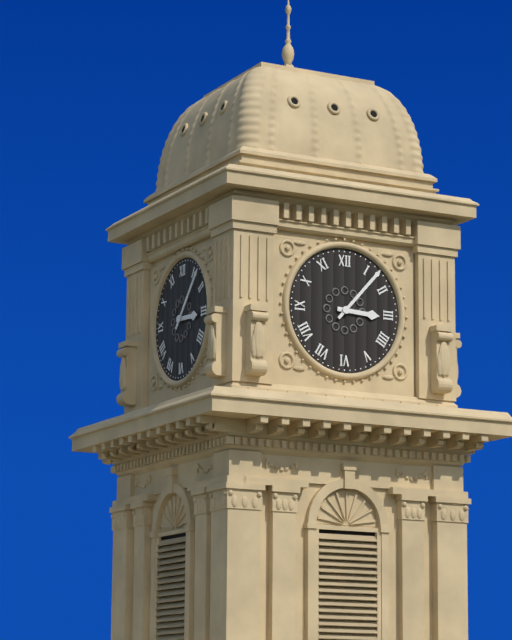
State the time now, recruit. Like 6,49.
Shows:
3,07
